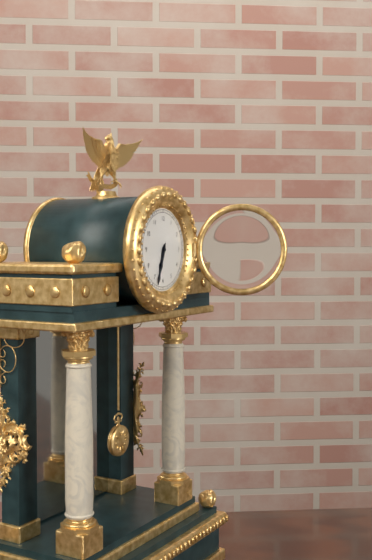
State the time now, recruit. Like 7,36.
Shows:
6,33
